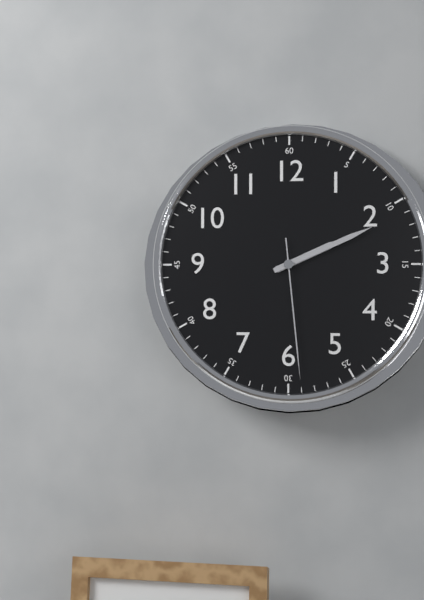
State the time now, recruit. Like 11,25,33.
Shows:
2,11,29
